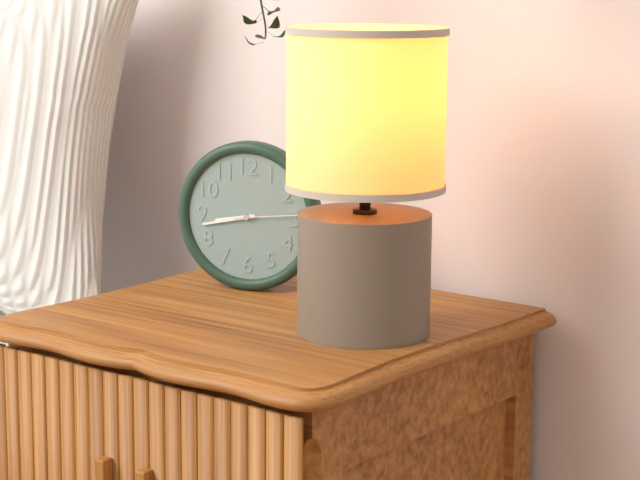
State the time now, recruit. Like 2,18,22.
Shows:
8,43,14
